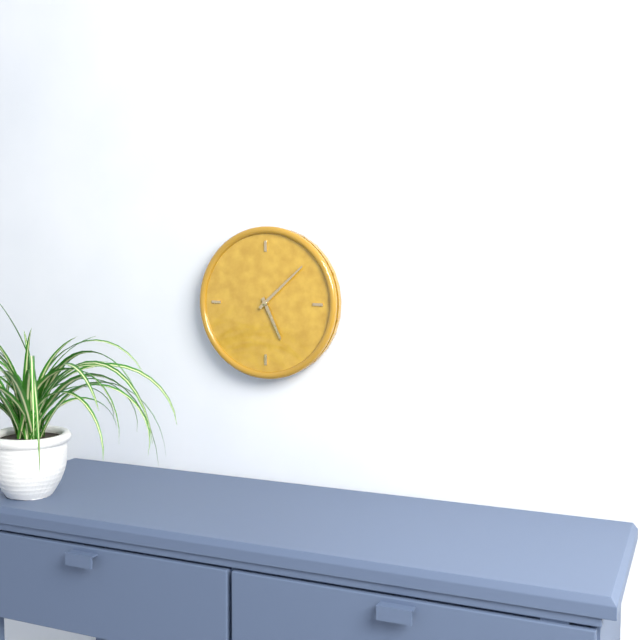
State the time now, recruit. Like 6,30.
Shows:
5,08
